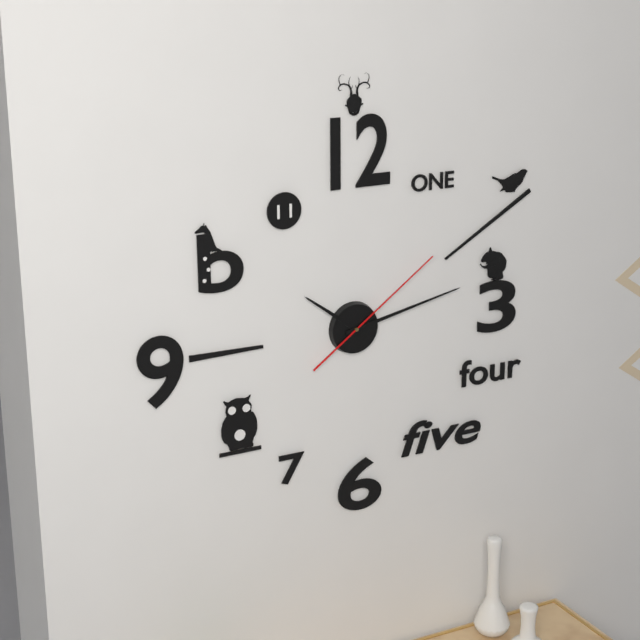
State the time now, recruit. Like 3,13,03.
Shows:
10,13,09
